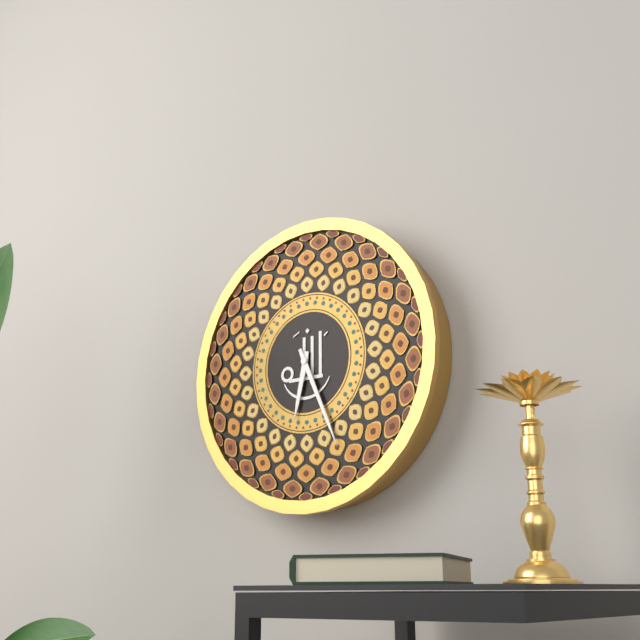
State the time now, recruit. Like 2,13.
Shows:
6,26
